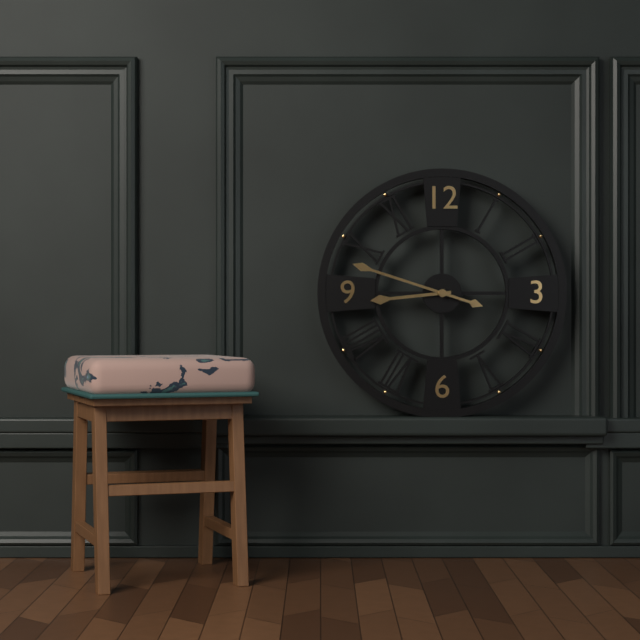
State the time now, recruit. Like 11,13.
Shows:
8,48
